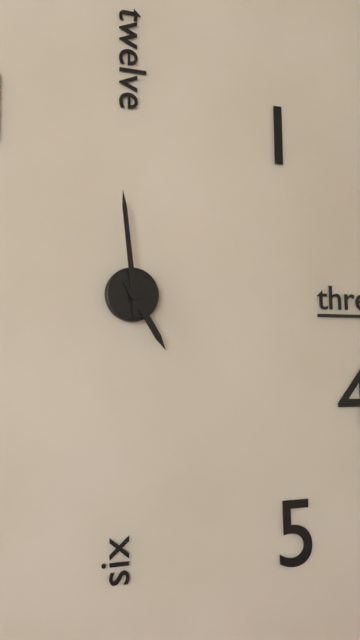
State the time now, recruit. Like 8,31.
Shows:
4,59
